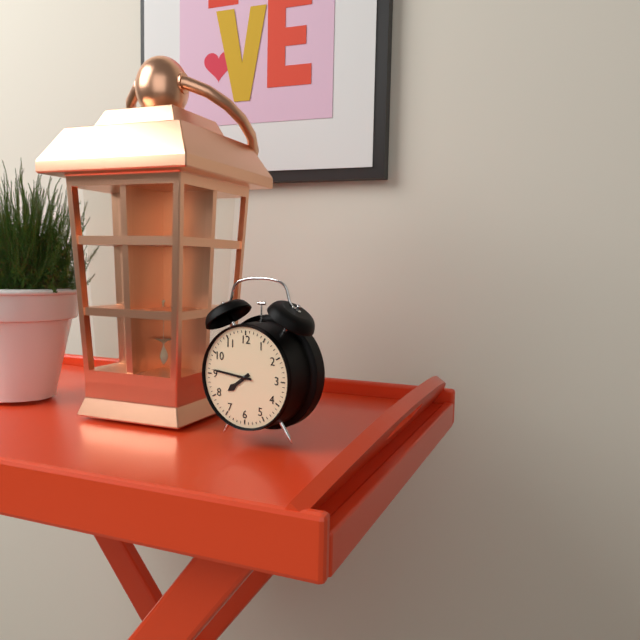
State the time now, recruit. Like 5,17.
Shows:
7,46
